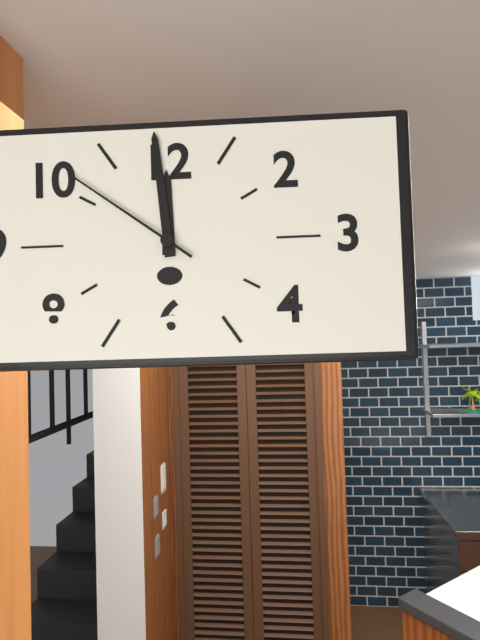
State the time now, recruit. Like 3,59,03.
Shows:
11,59,51
